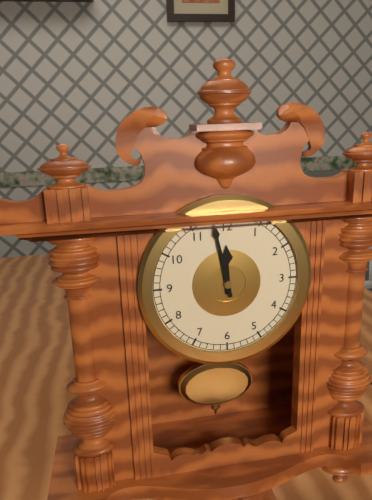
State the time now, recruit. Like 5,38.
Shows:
11,58
